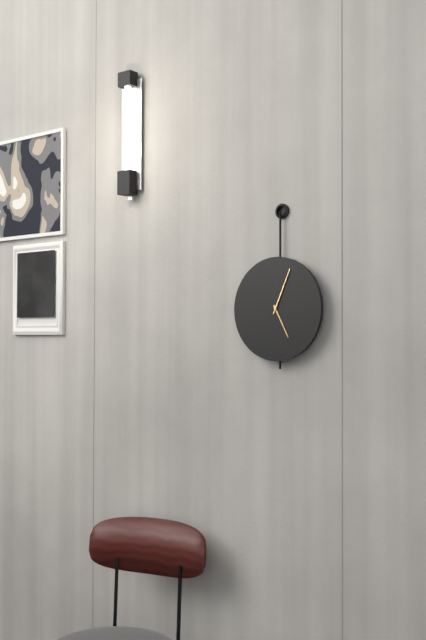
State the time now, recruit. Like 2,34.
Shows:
5,04
